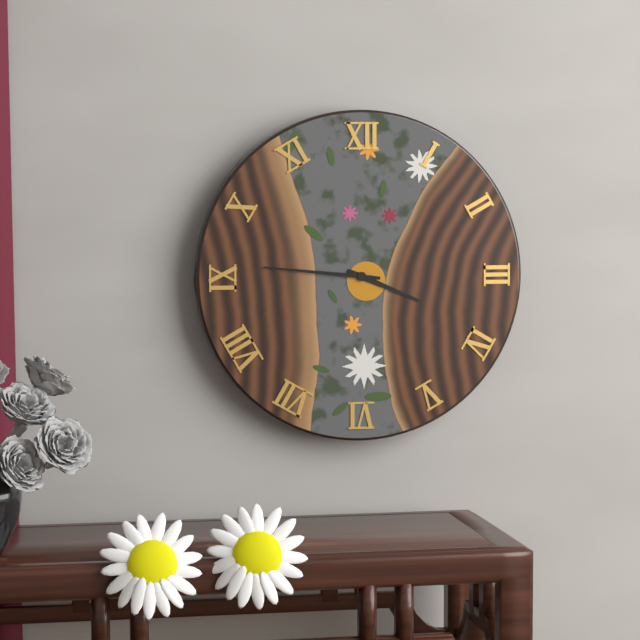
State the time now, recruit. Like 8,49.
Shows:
3,46
